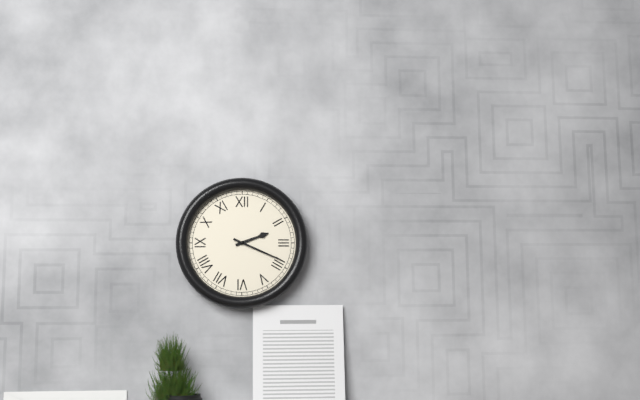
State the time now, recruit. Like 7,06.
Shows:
2,19
